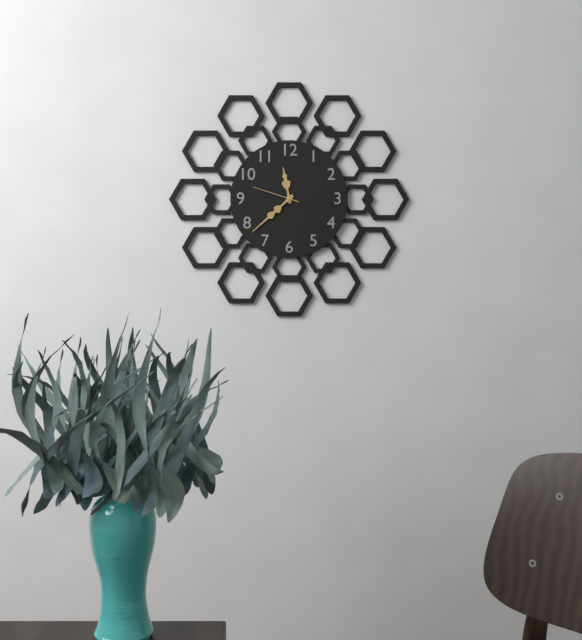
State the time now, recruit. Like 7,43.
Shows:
11,38
